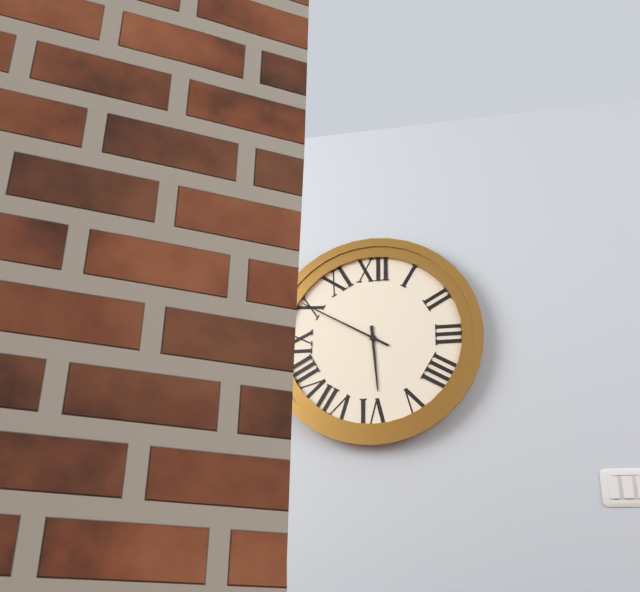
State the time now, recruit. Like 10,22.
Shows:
5,50
